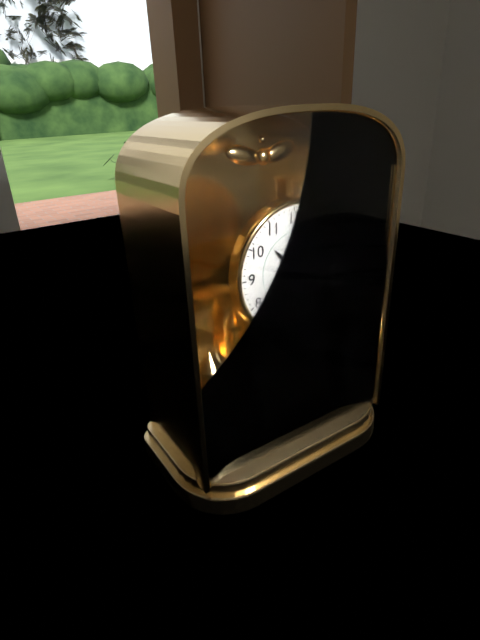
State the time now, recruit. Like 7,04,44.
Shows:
10,30,01
